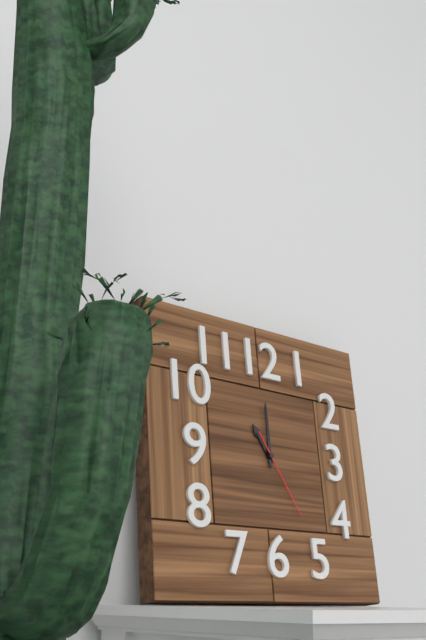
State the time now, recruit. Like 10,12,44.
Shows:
11,00,25
